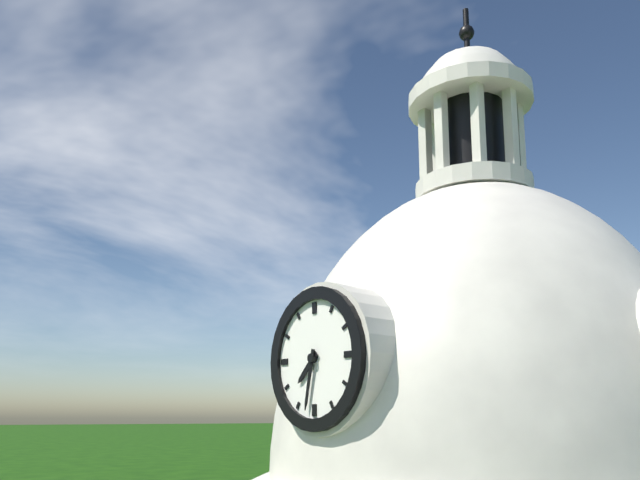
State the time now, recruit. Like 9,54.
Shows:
7,32
